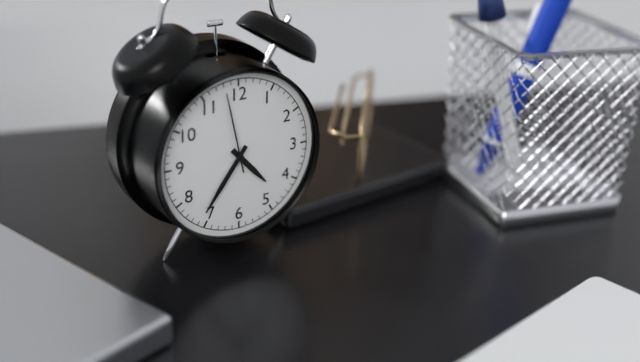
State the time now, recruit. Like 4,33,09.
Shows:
4,36,58
